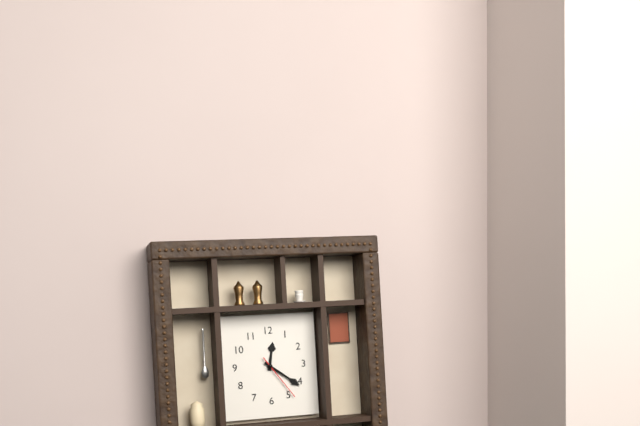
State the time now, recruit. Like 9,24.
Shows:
12,21
